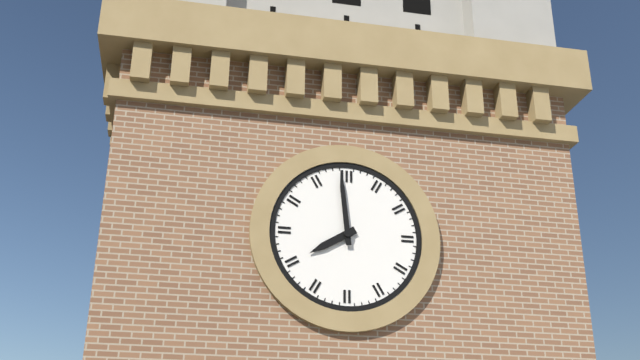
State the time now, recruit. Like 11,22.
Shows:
7,59
